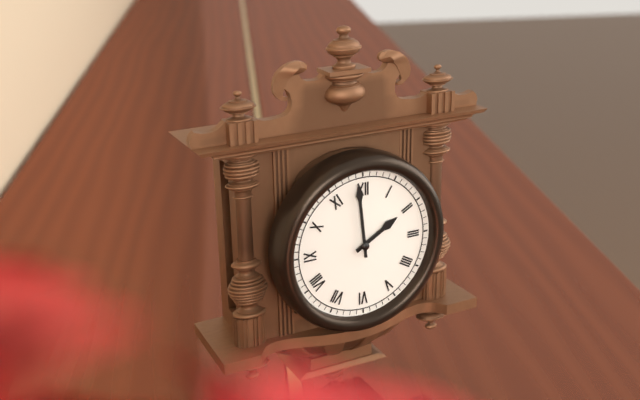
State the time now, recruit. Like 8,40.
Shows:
1,59
